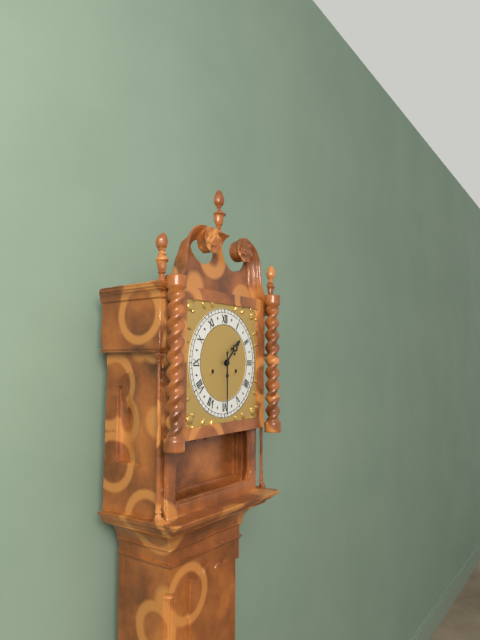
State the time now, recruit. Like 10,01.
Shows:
1,30
